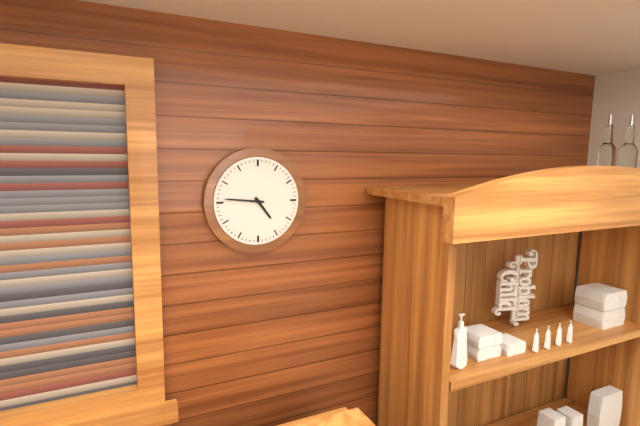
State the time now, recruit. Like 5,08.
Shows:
4,46
